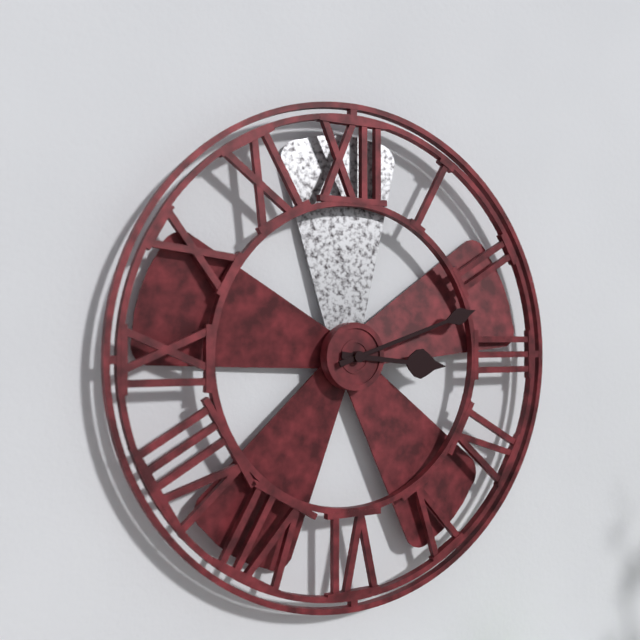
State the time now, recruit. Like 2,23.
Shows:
3,12
